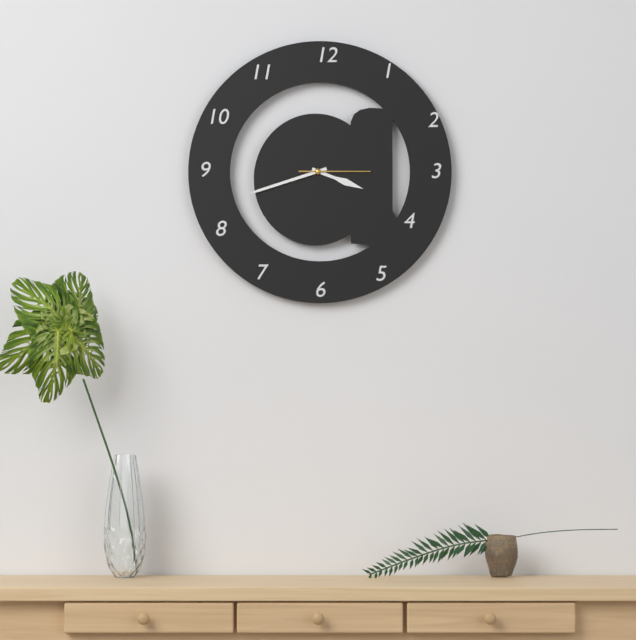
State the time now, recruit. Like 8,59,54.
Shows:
3,42,15
